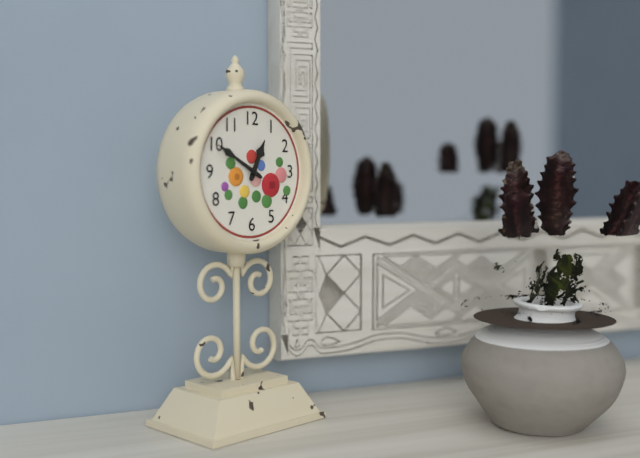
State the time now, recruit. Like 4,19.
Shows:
12,50
